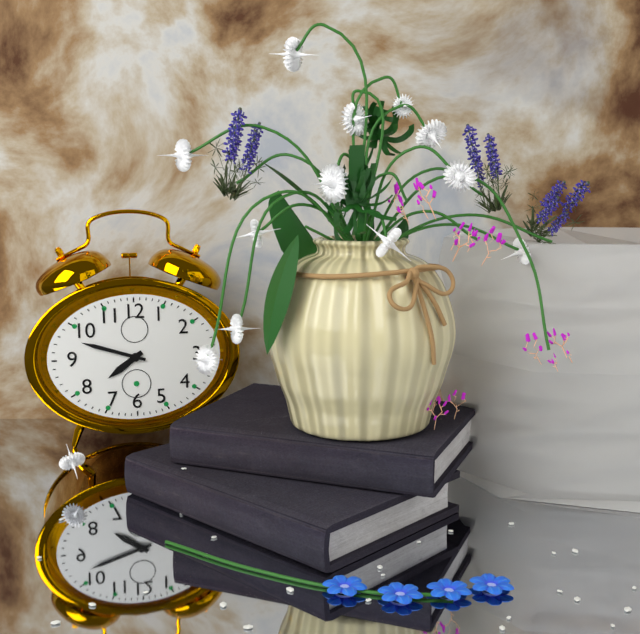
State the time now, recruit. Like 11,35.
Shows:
7,48
